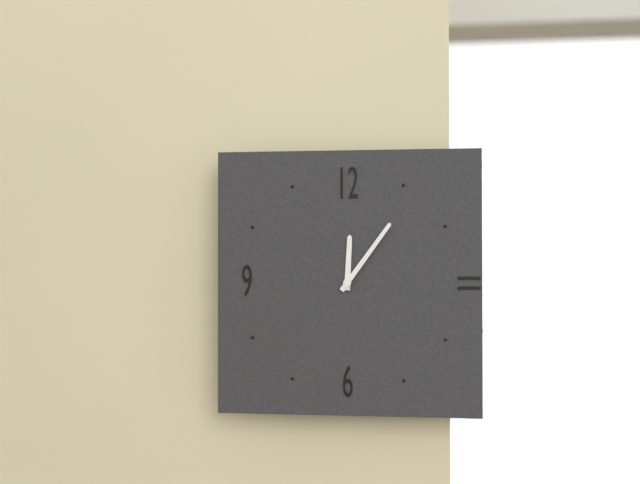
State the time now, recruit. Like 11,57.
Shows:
12,06
